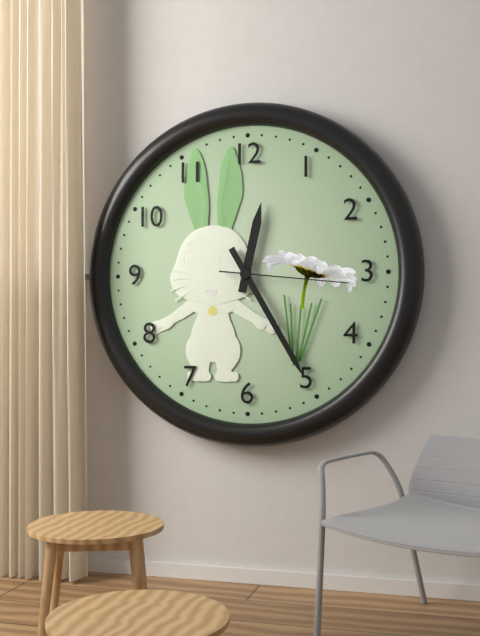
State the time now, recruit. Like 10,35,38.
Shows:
12,25,16
